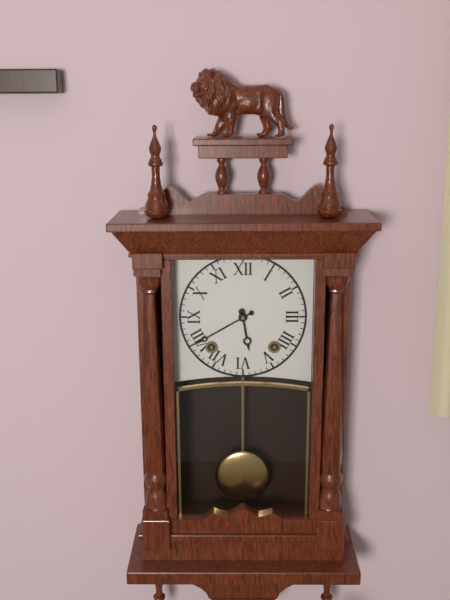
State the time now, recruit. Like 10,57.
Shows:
5,40
